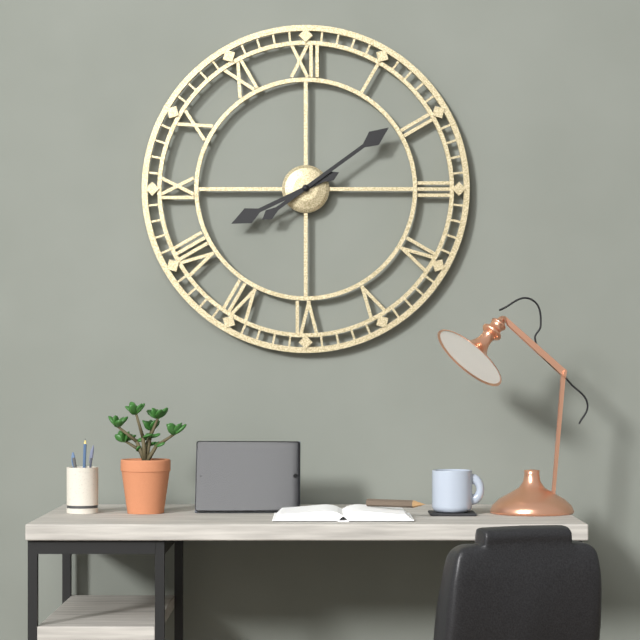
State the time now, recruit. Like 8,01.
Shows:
8,09
